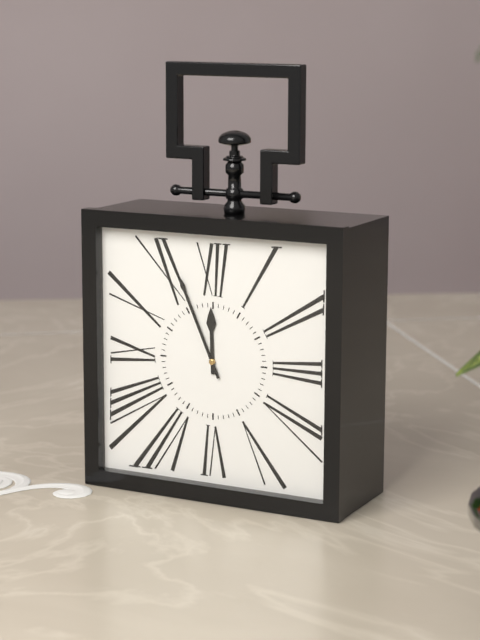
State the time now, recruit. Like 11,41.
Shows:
11,56
